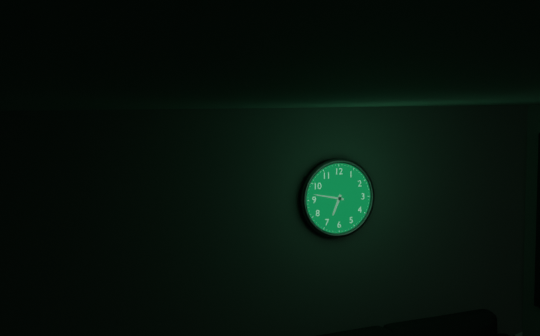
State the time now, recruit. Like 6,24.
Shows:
6,47
